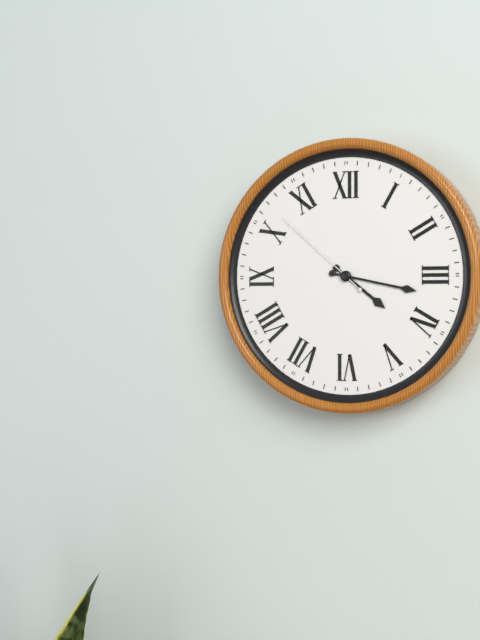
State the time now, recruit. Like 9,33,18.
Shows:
4,17,52
